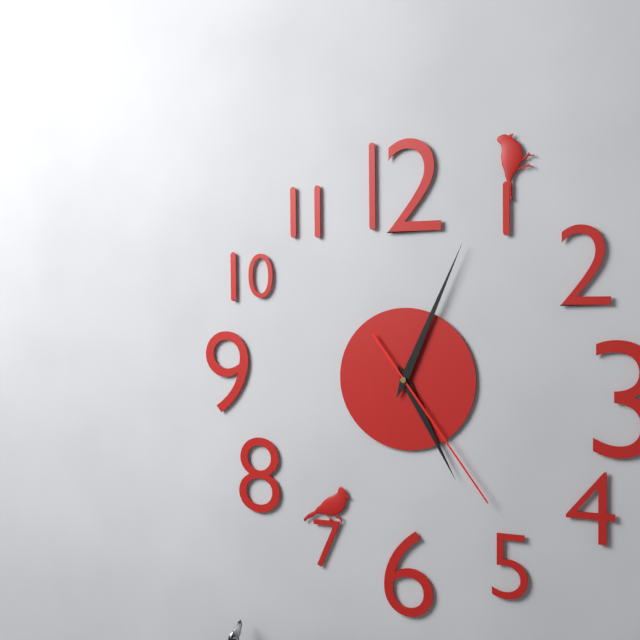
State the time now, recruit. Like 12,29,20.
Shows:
5,04,24
